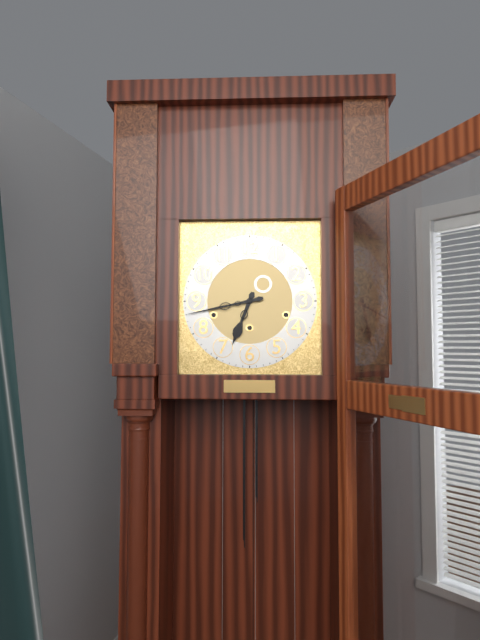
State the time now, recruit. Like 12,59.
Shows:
6,43
